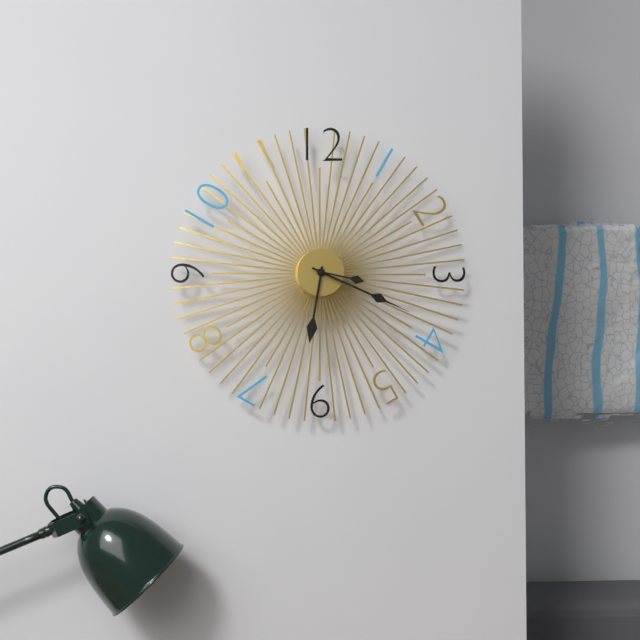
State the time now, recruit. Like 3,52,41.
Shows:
6,19,17
